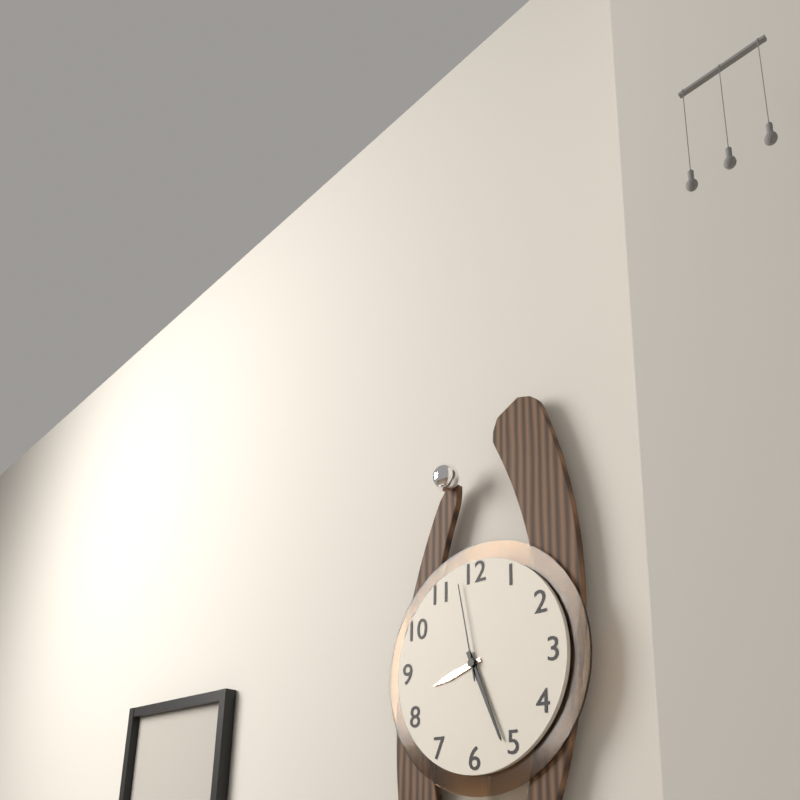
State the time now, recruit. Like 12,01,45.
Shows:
8,26,58
